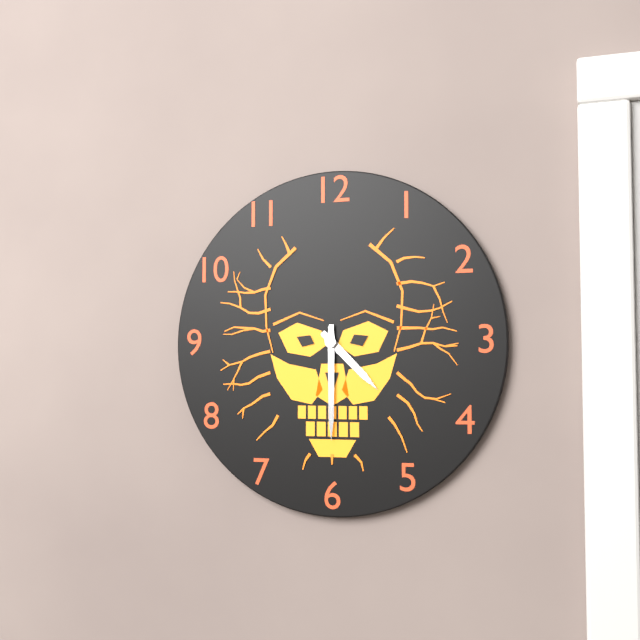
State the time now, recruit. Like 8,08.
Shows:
4,30
